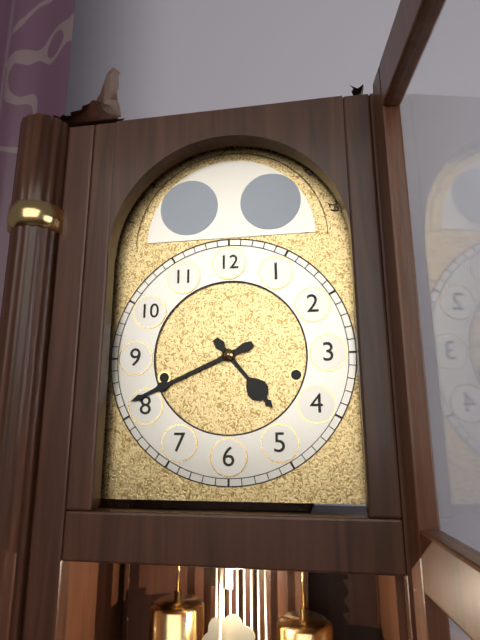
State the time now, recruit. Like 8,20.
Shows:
4,41
